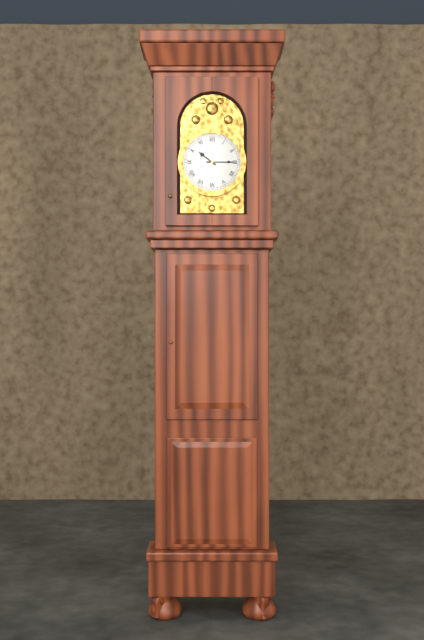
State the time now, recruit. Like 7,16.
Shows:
10,15
